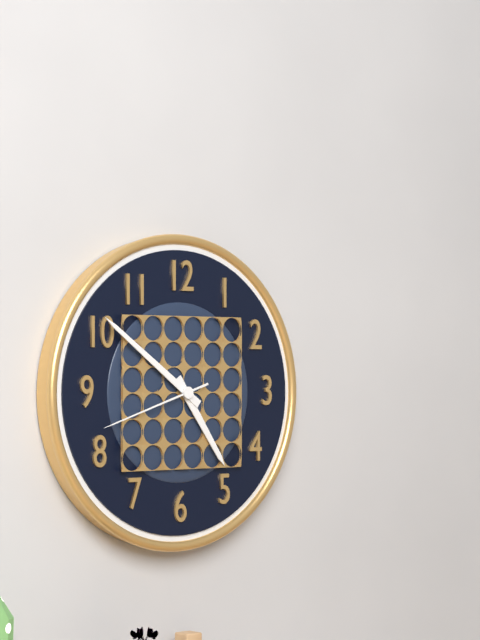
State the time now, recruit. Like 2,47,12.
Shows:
4,51,42
